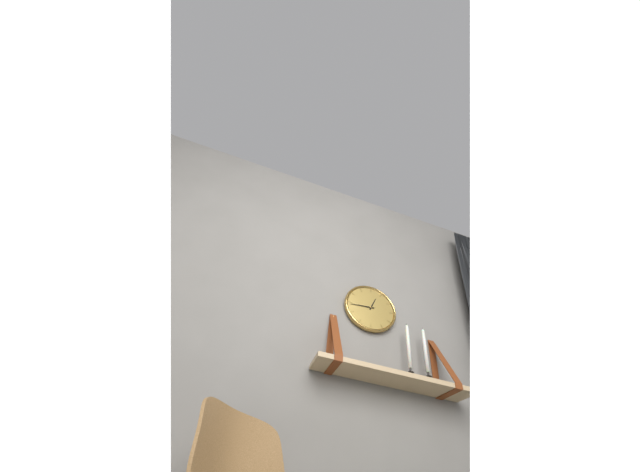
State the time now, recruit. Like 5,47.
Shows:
12,44
